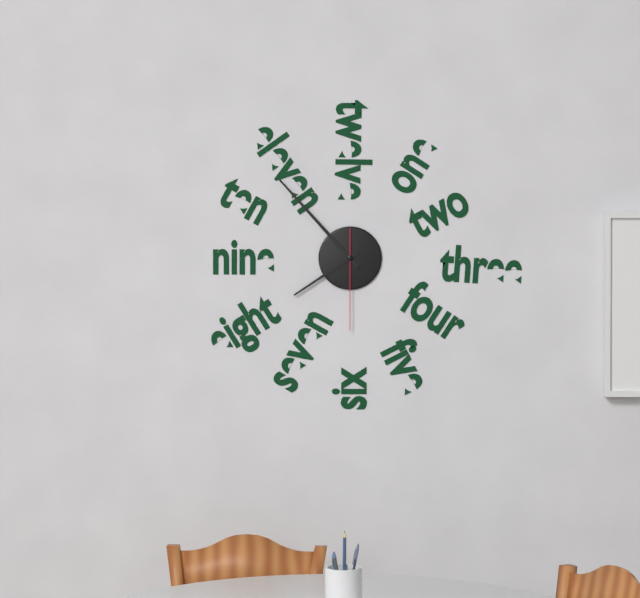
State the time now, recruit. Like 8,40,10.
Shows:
7,53,30
